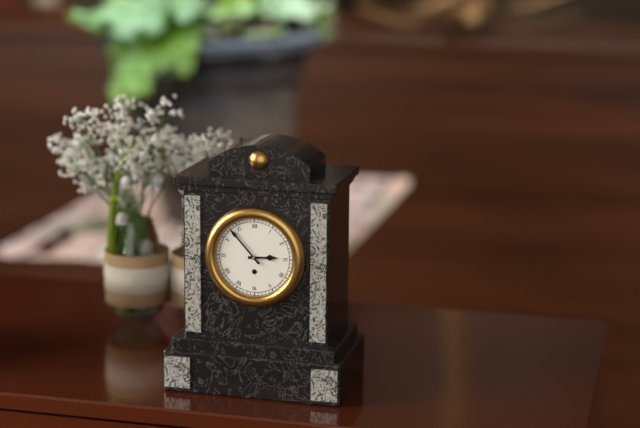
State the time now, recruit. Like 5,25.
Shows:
2,53
